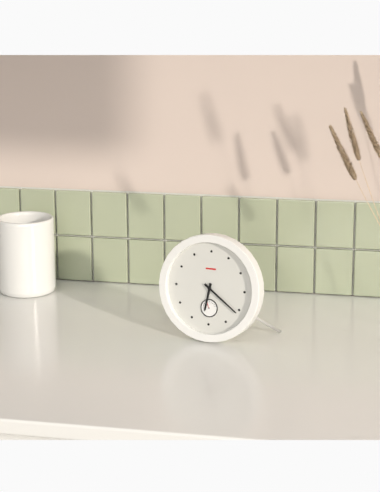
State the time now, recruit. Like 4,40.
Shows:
6,21
